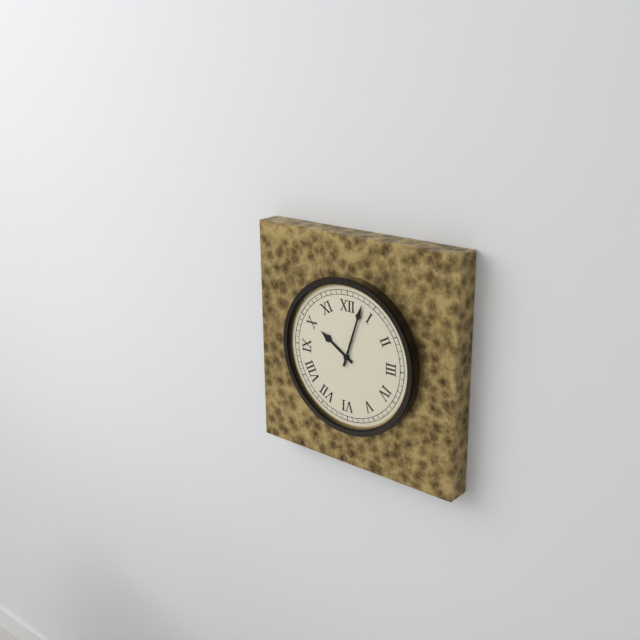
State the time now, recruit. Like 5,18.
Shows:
10,03
